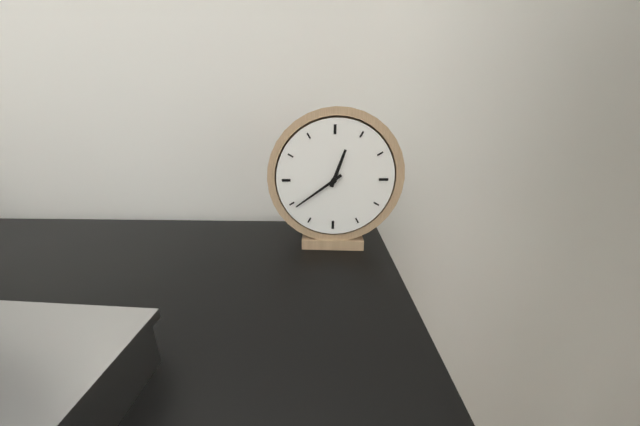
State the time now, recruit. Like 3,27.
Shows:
12,39
